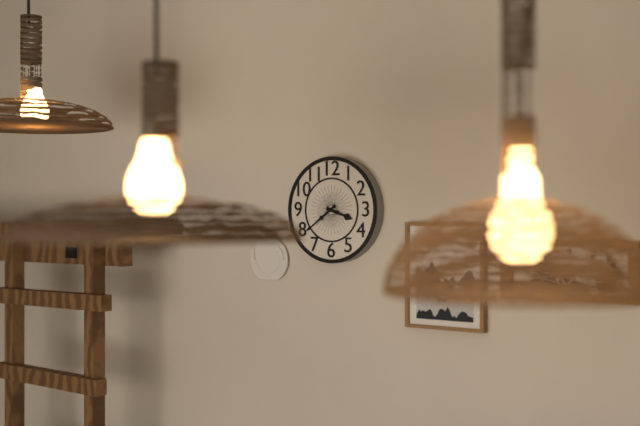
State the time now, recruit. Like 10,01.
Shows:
3,39
